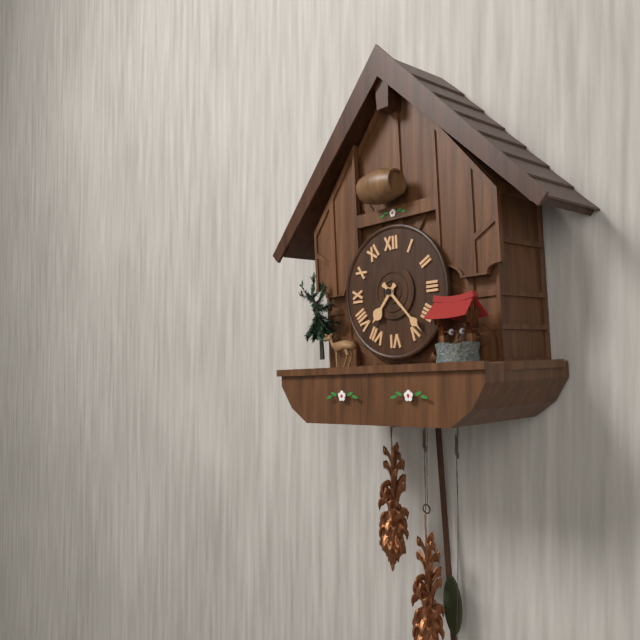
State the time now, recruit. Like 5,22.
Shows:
7,23
